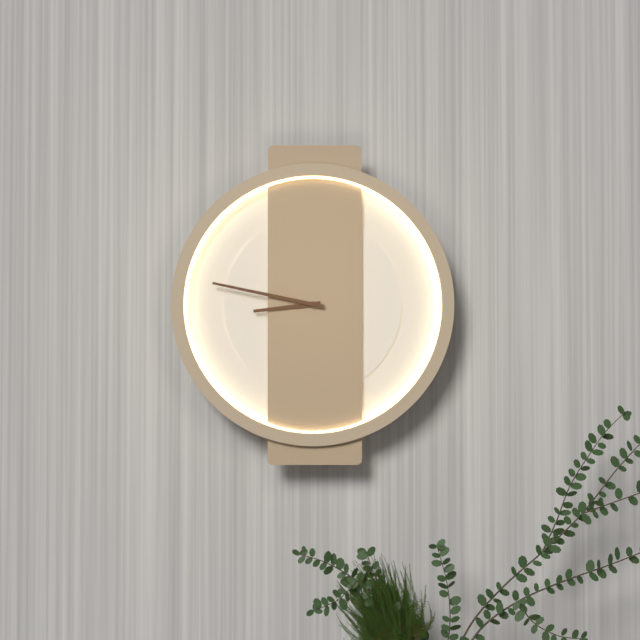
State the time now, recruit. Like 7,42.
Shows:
8,47
